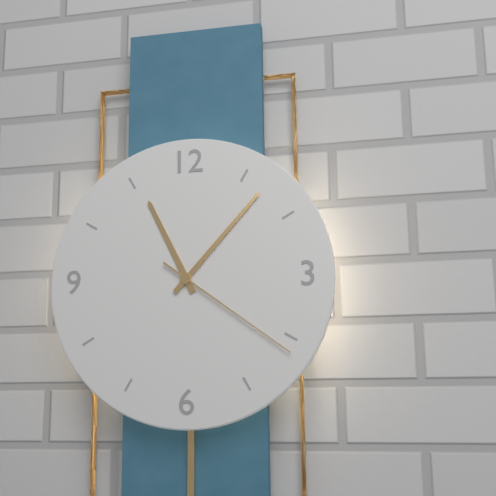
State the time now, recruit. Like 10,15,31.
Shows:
11,07,21
